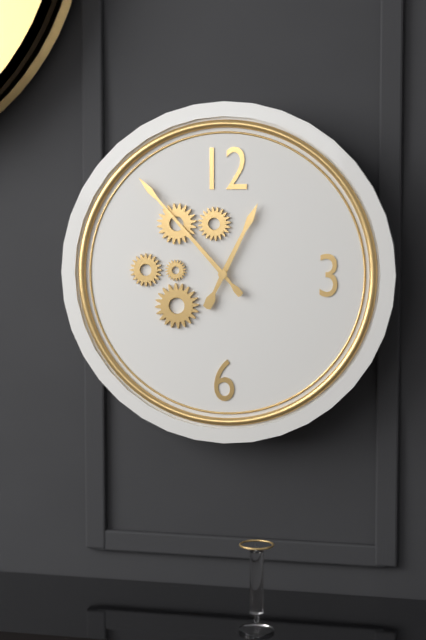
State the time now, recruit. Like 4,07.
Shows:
12,53
